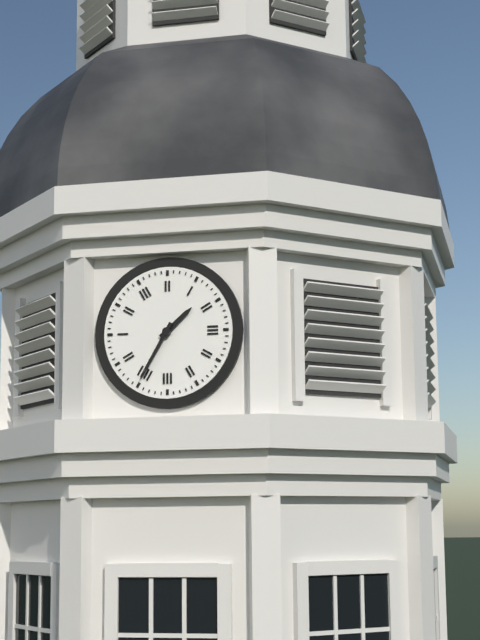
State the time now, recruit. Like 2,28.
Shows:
1,35
